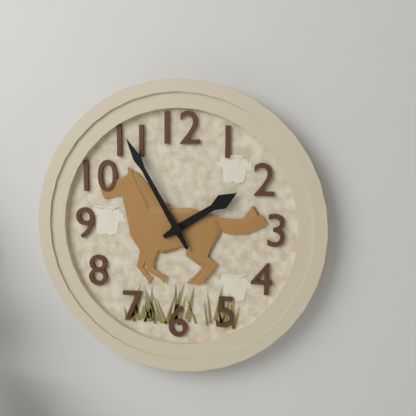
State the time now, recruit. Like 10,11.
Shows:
1,55
